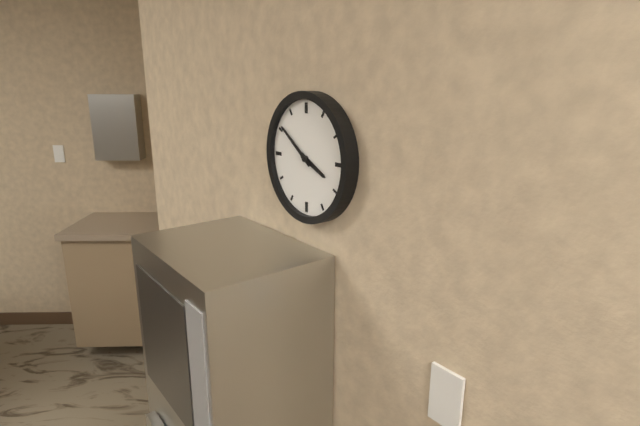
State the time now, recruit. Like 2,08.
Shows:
3,51
